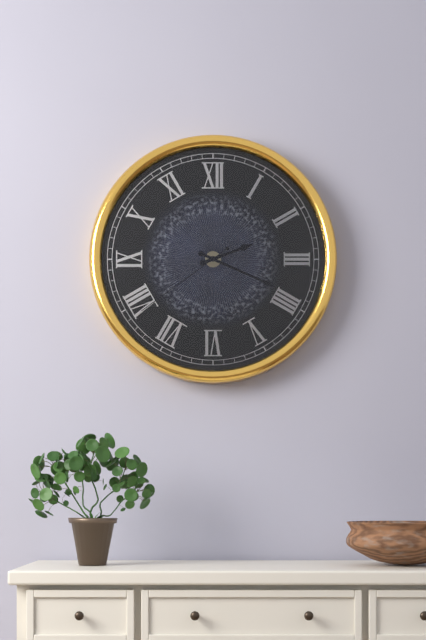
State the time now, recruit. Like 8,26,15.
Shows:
2,19,39
